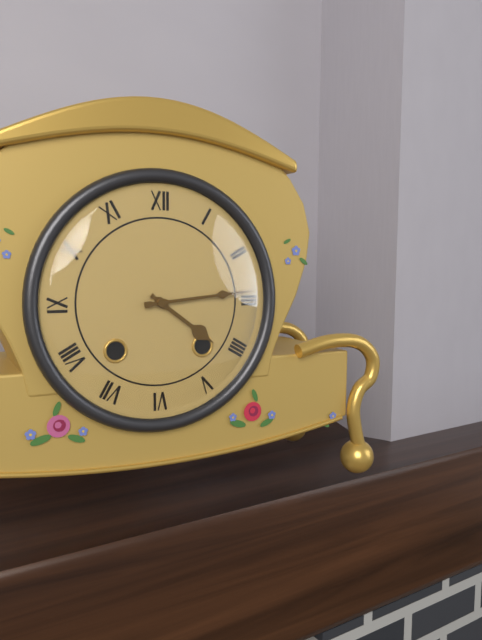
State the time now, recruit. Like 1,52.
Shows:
4,14
